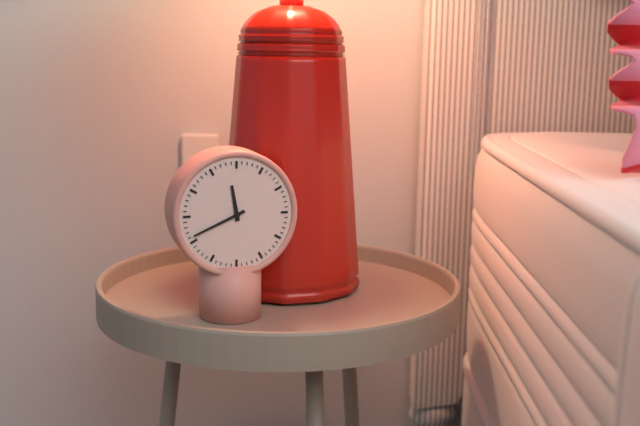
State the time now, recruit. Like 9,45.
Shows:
11,41
